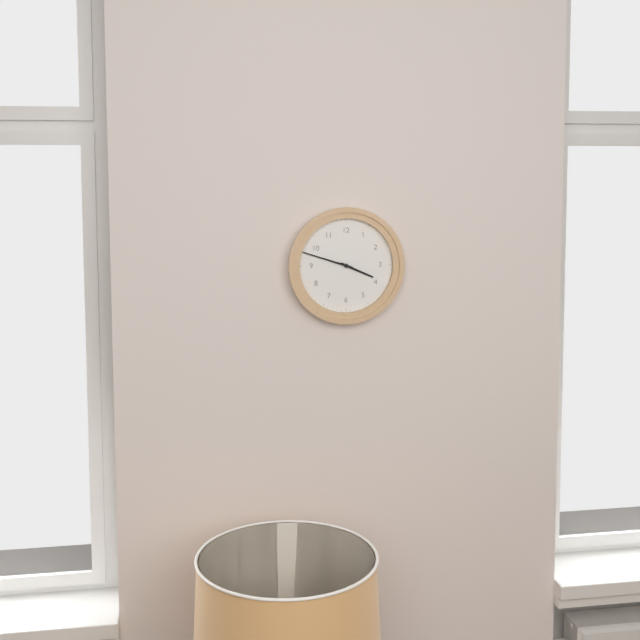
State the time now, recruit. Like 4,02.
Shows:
3,48
